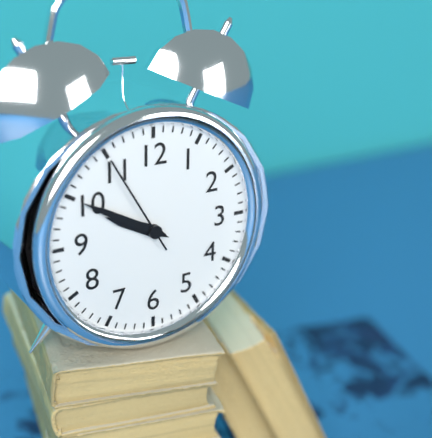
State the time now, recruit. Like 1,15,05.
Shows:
9,50,55
